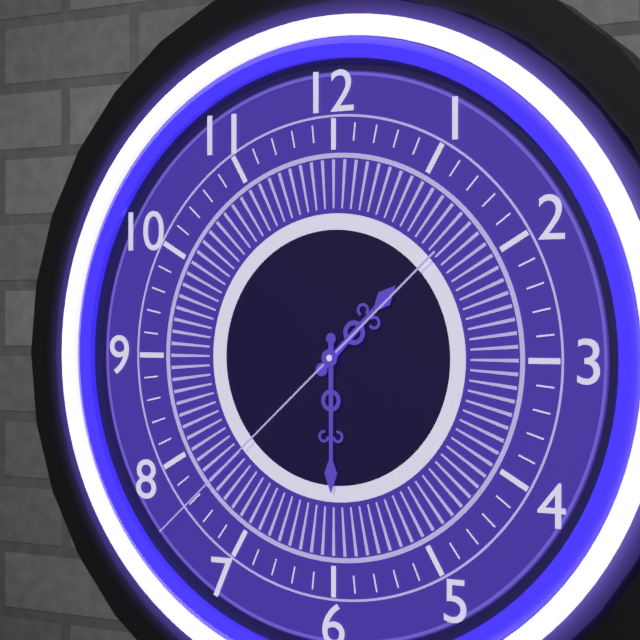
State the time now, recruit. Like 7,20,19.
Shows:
1,30,38
